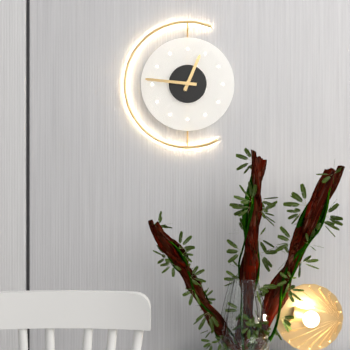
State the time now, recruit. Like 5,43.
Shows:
12,46
